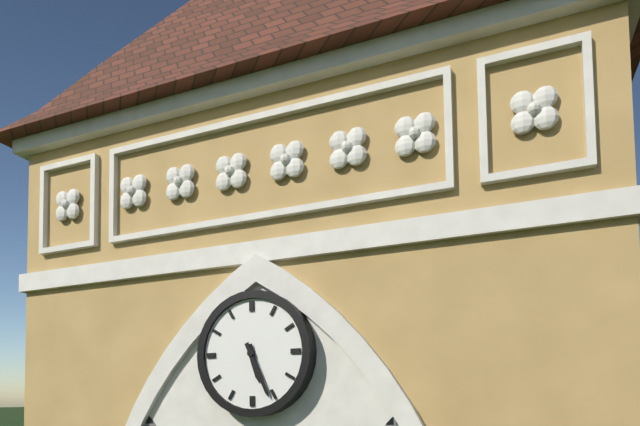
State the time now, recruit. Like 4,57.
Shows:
5,26
